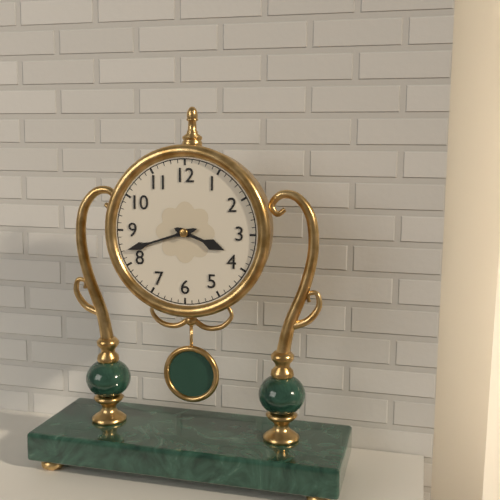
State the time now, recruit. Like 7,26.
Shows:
3,42
